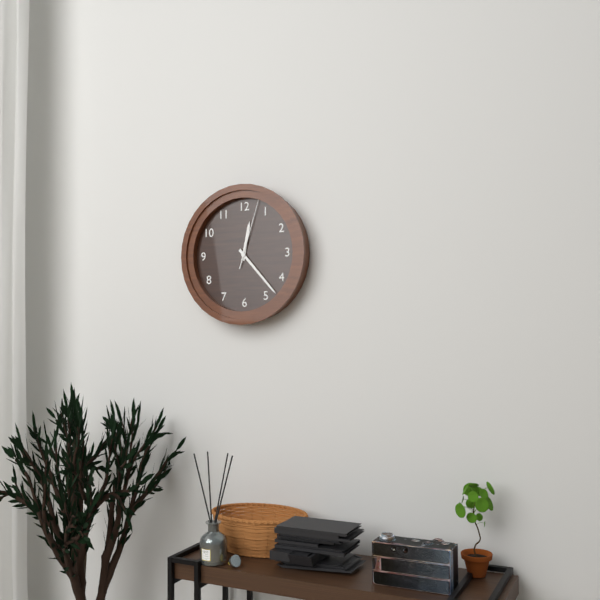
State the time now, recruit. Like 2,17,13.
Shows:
12,23,03
